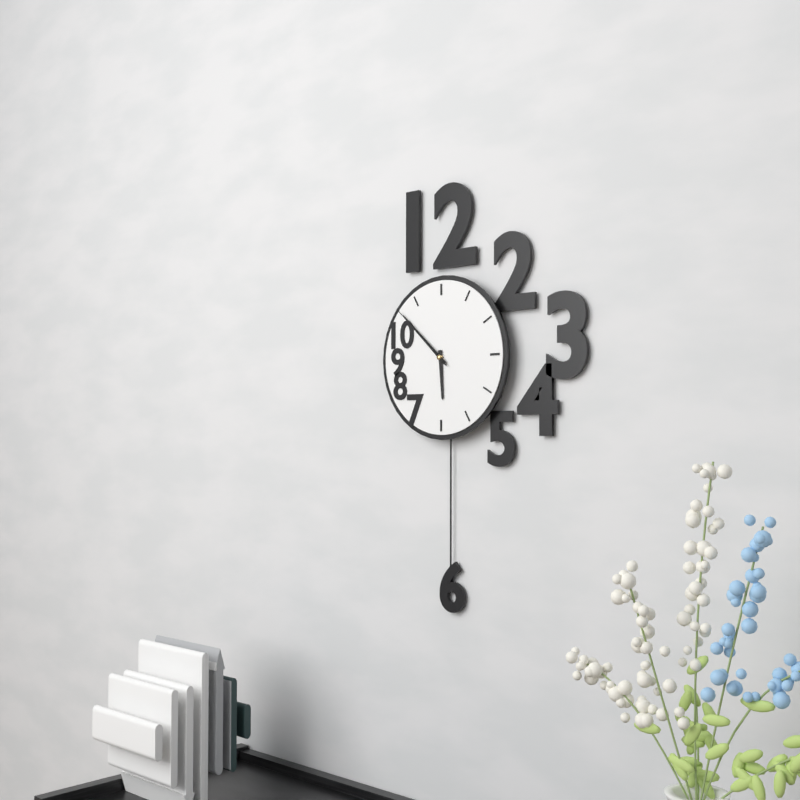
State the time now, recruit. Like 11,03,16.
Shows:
5,52,52
